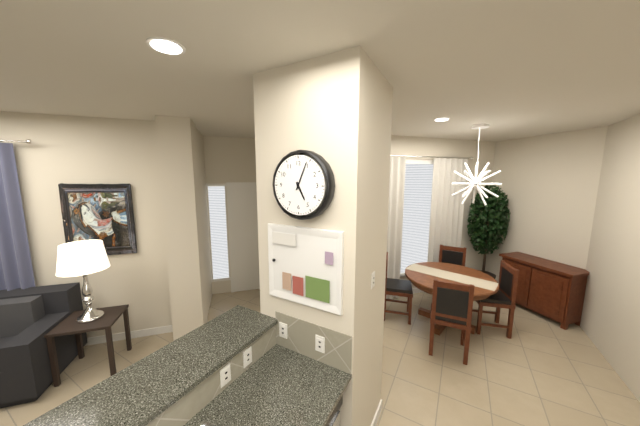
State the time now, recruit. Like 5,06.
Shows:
5,04
